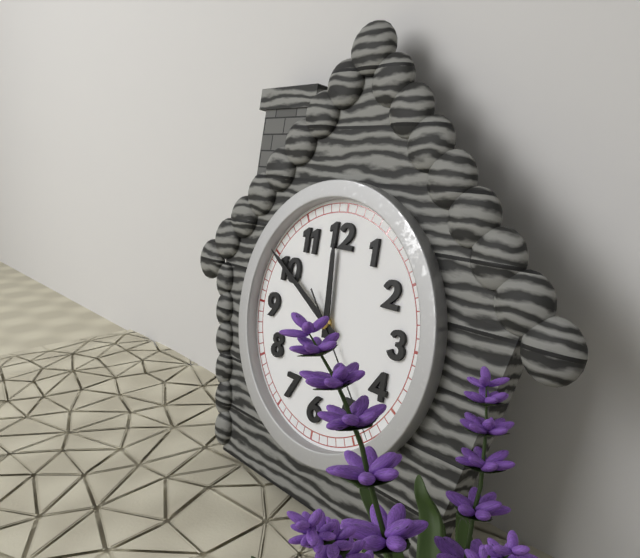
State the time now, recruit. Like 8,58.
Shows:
11,50
